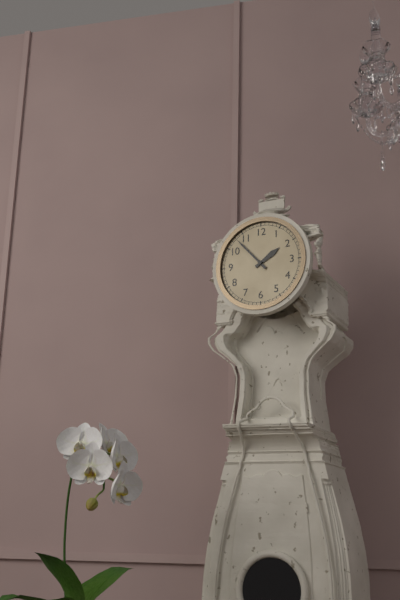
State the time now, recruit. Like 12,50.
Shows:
1,53
